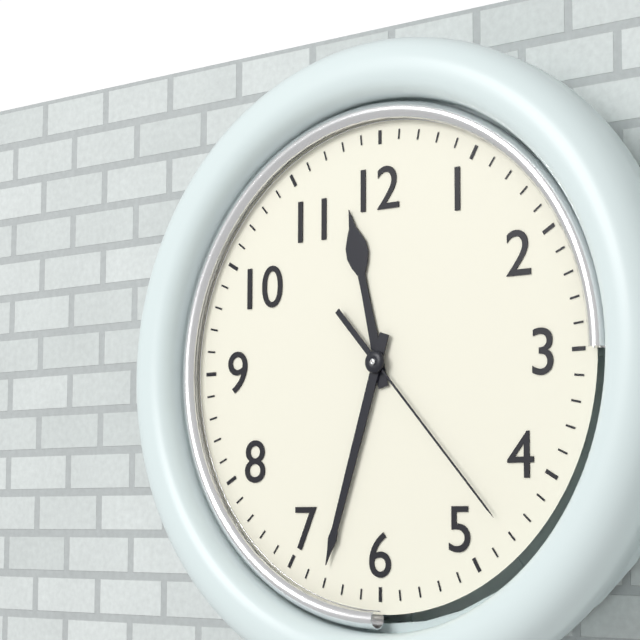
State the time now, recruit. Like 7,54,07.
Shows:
11,33,23
